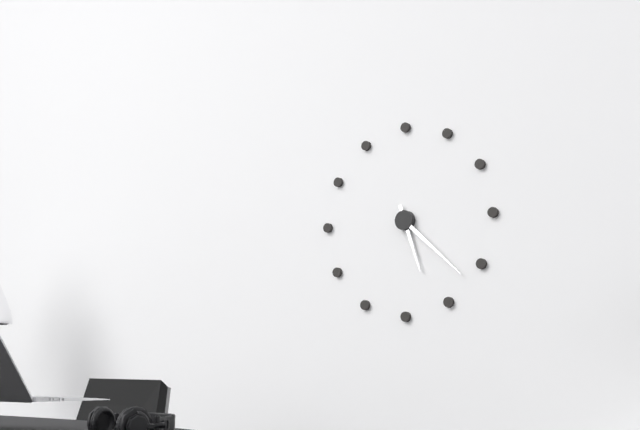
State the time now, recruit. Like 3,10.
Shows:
5,22
